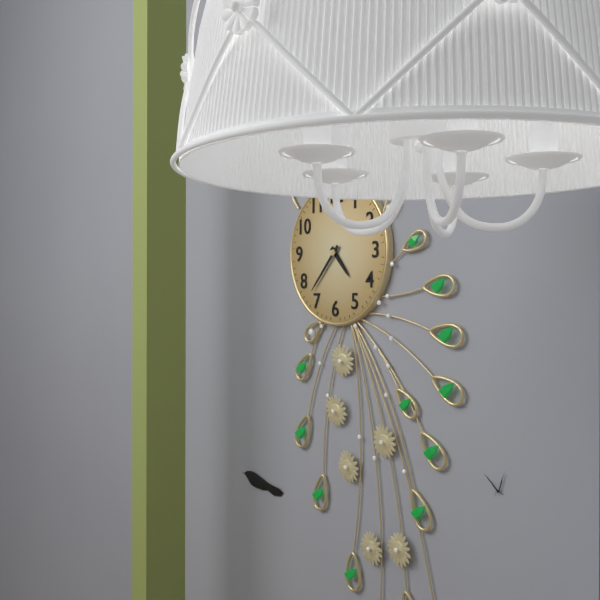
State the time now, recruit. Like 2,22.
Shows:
4,37
